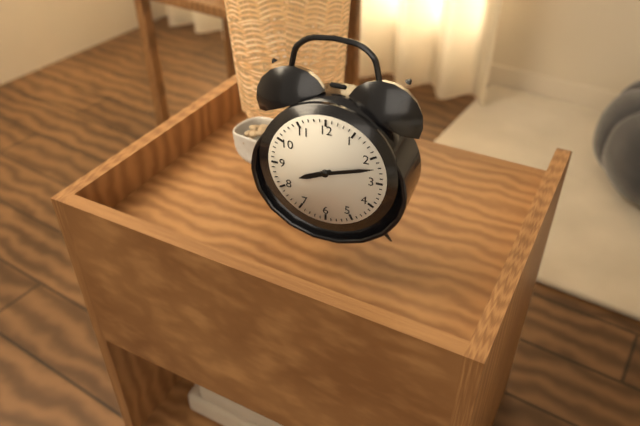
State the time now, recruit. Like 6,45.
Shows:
8,12
